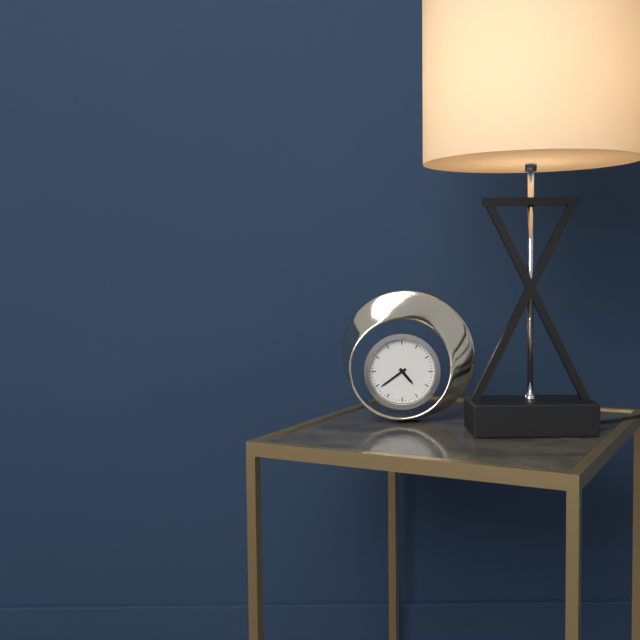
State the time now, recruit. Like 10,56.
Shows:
4,39
